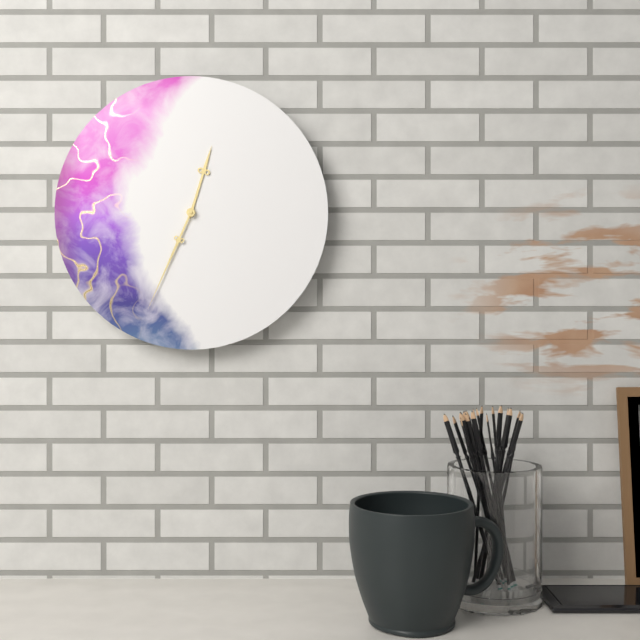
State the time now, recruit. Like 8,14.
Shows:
12,34
